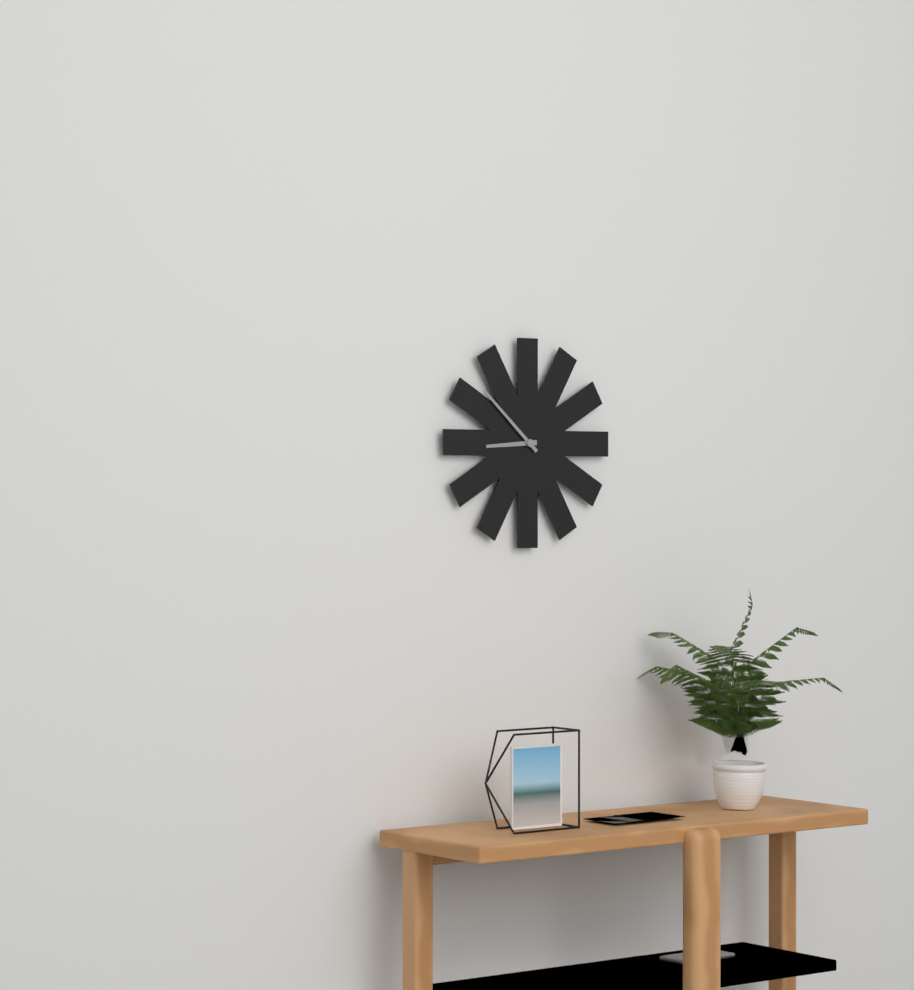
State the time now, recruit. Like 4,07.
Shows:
8,52
